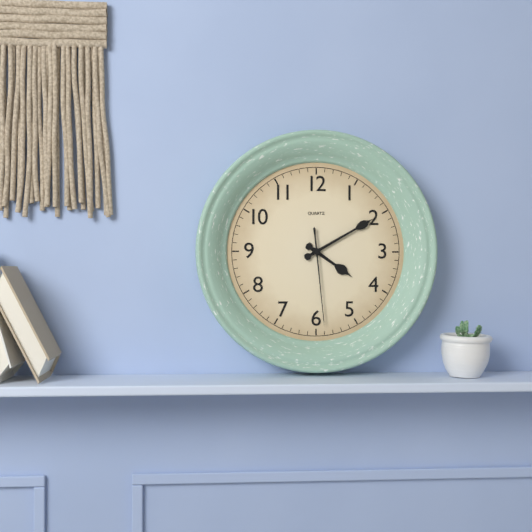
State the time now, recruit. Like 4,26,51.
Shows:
4,10,29
